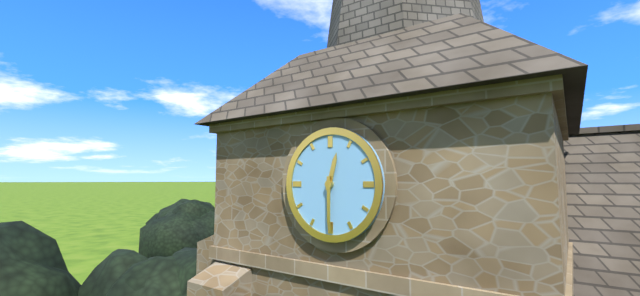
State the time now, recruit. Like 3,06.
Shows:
12,30
